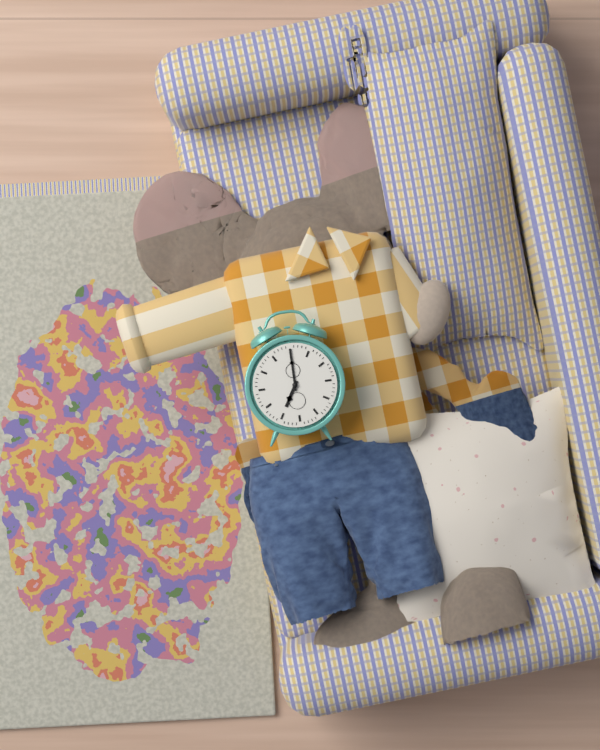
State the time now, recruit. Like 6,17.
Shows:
7,00
